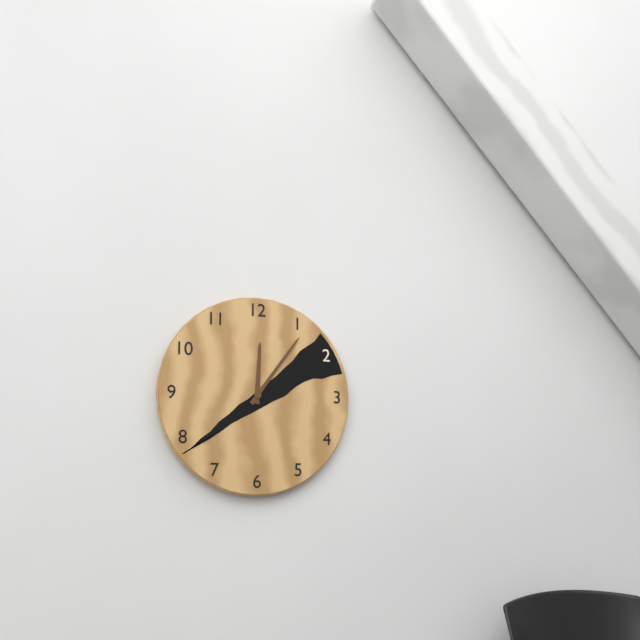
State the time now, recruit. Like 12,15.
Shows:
12,06
